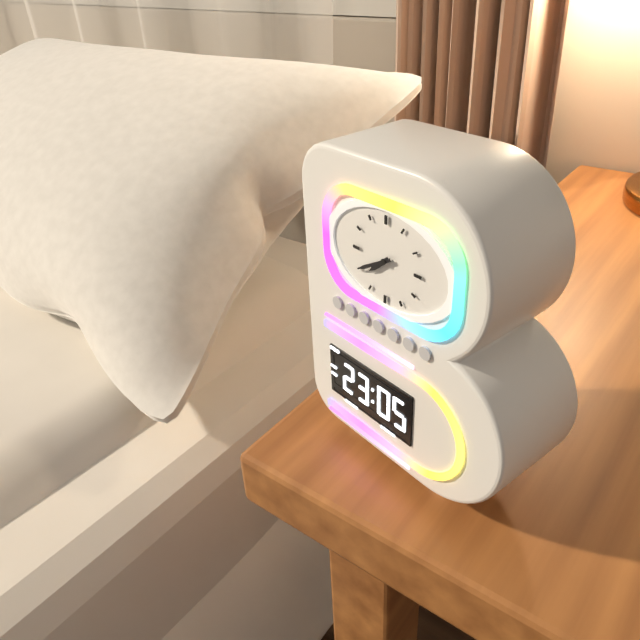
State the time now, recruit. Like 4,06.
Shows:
7,40
